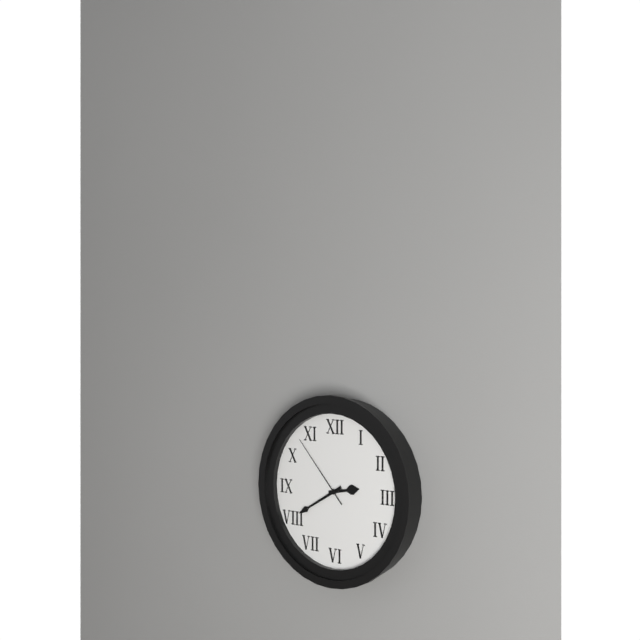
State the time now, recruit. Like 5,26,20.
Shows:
2,40,53
